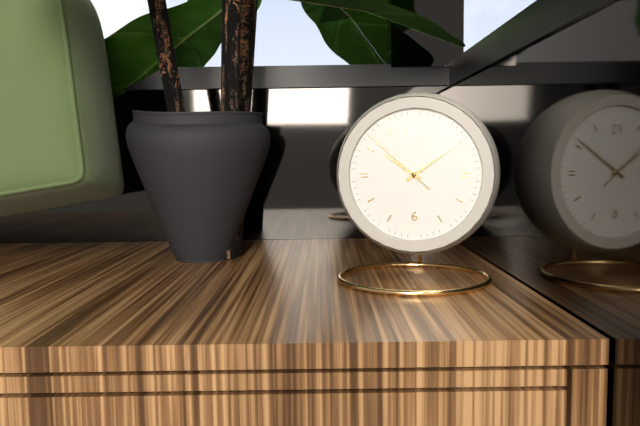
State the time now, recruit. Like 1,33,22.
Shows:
10,09,52
